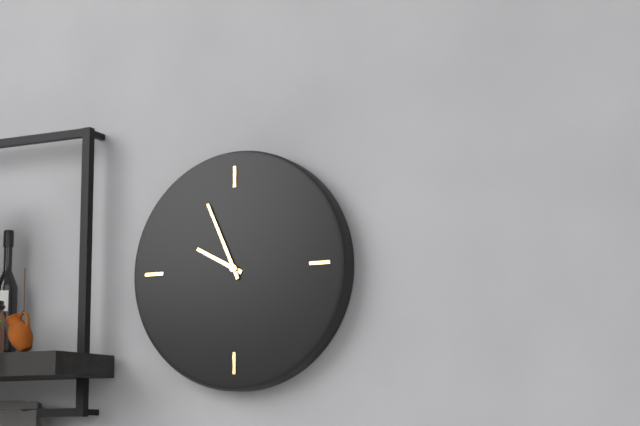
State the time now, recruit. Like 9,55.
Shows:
9,56
